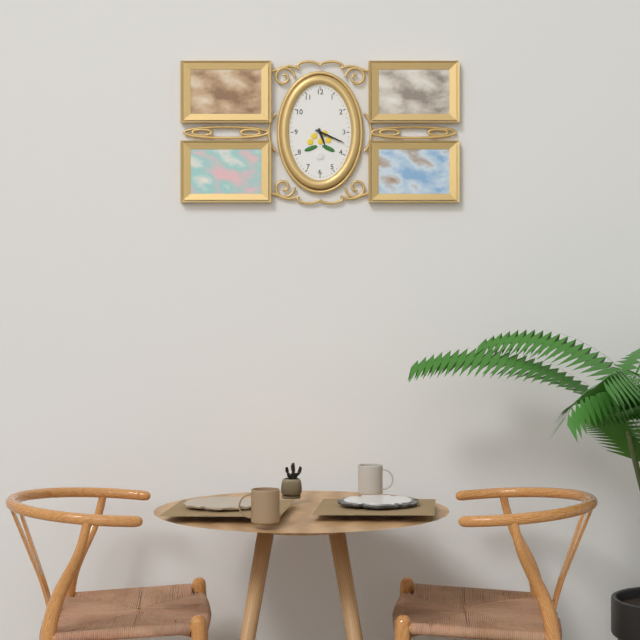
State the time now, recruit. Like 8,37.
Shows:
5,19
